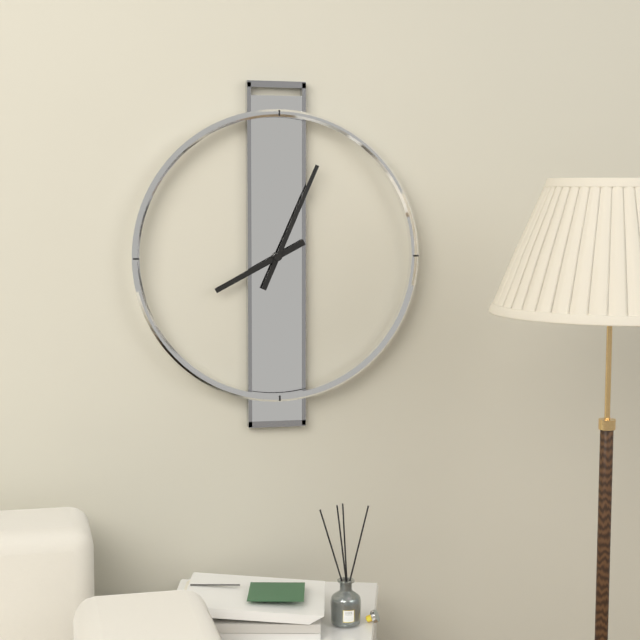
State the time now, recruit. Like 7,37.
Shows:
8,04
